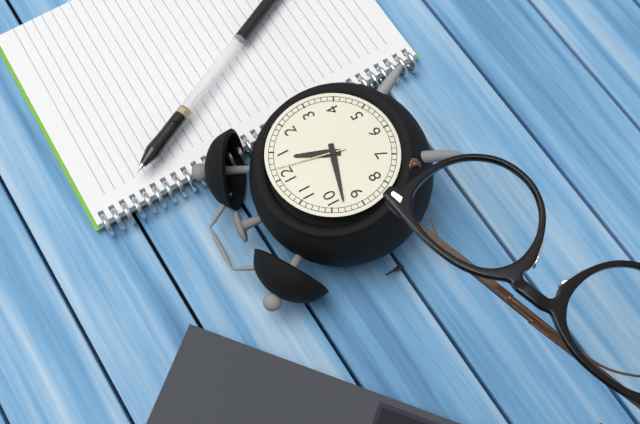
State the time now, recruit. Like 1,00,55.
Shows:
12,48,02
